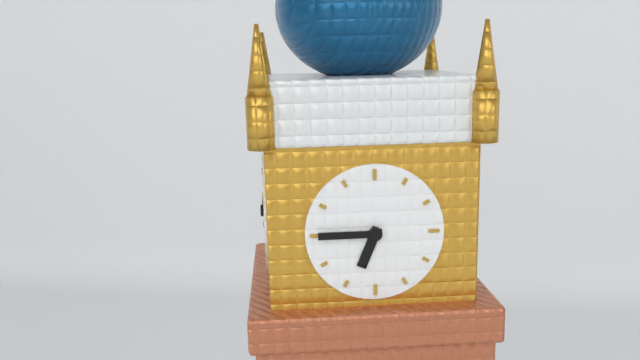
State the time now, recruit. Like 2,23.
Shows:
6,45
